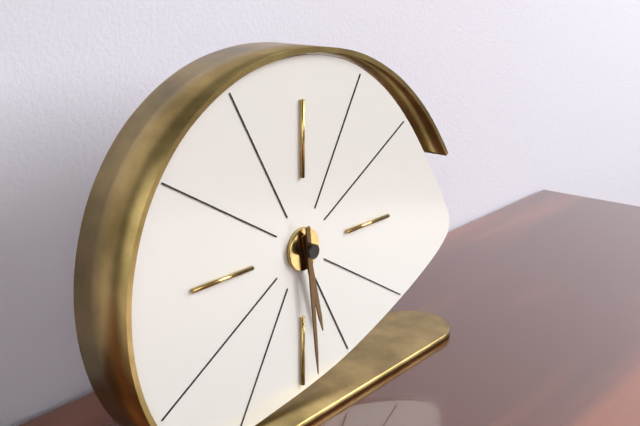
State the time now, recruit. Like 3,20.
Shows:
5,29
